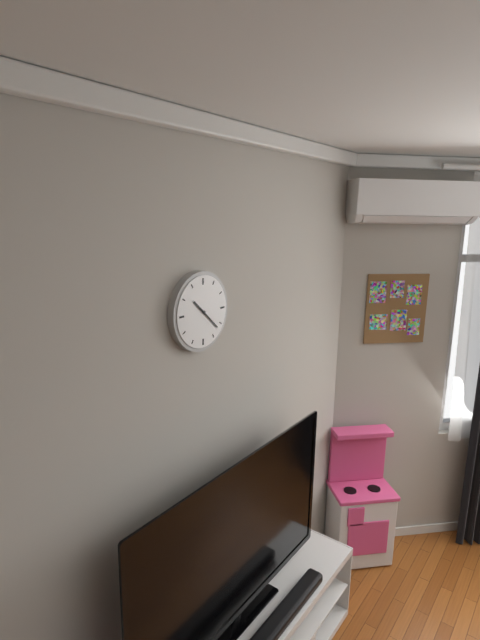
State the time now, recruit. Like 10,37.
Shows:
10,22
